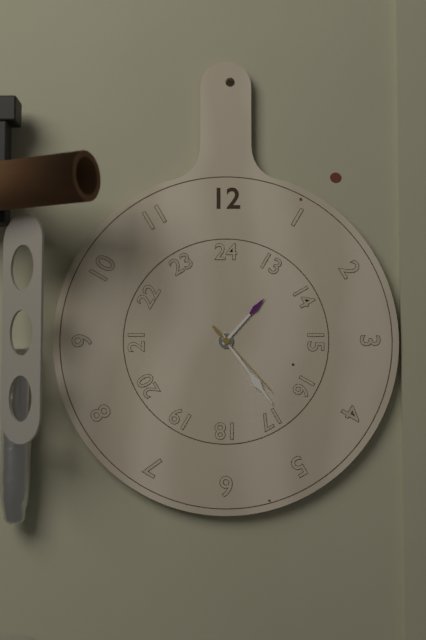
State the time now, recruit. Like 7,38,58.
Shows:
1,24,23
